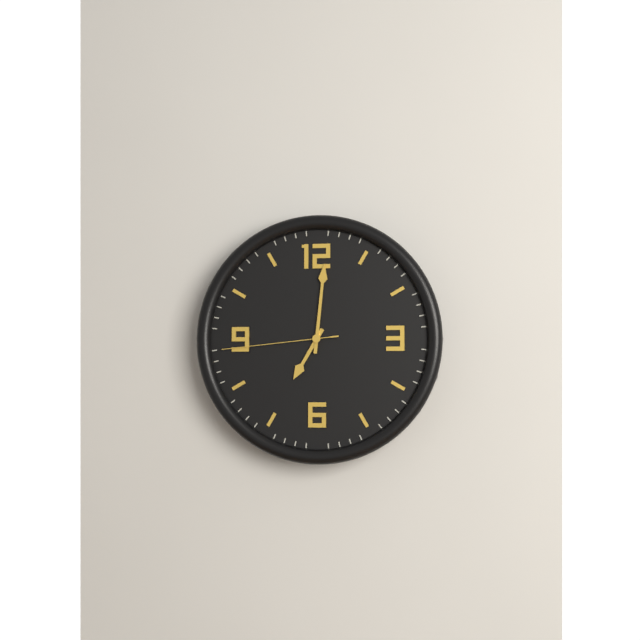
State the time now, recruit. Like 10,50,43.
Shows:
7,01,44
